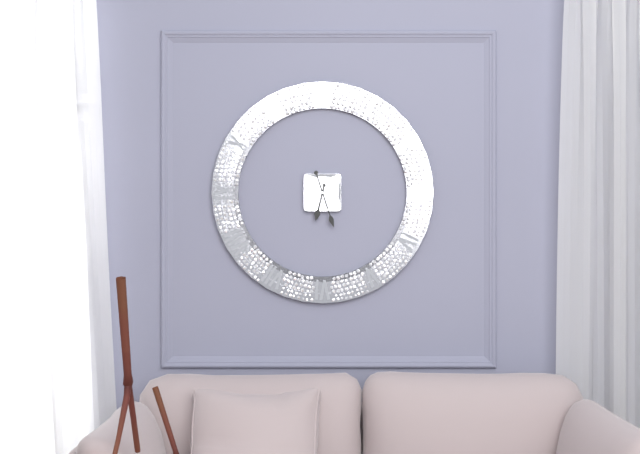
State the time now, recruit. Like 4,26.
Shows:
6,27
